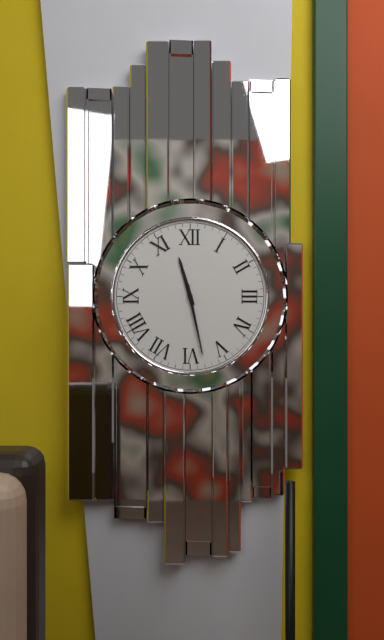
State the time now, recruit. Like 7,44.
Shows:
11,28
